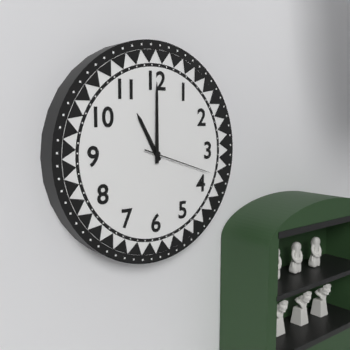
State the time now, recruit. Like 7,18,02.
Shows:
11,00,18
